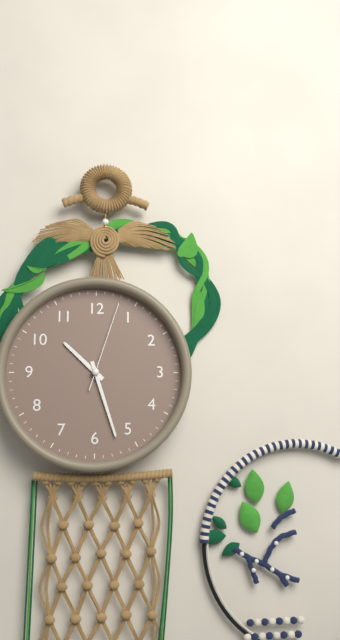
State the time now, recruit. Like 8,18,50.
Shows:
10,27,03
